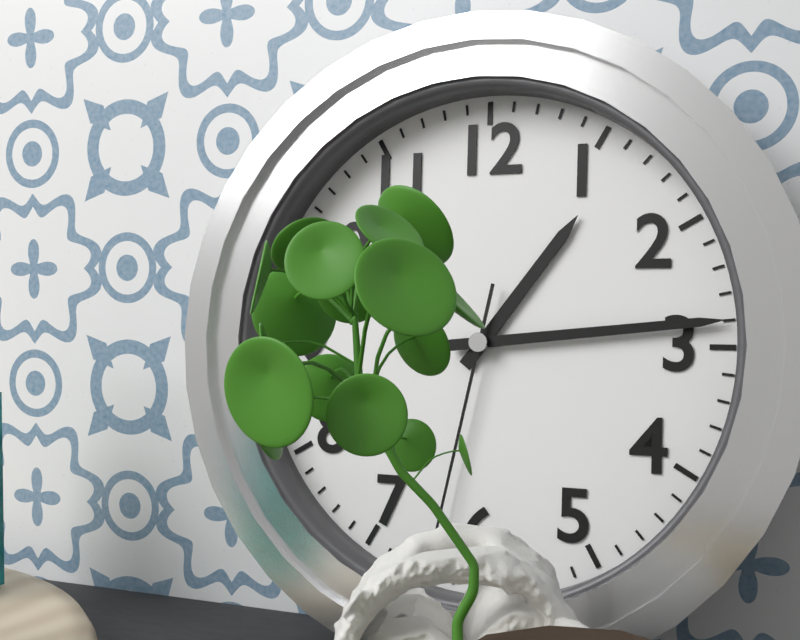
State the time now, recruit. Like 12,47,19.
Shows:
1,14,32
